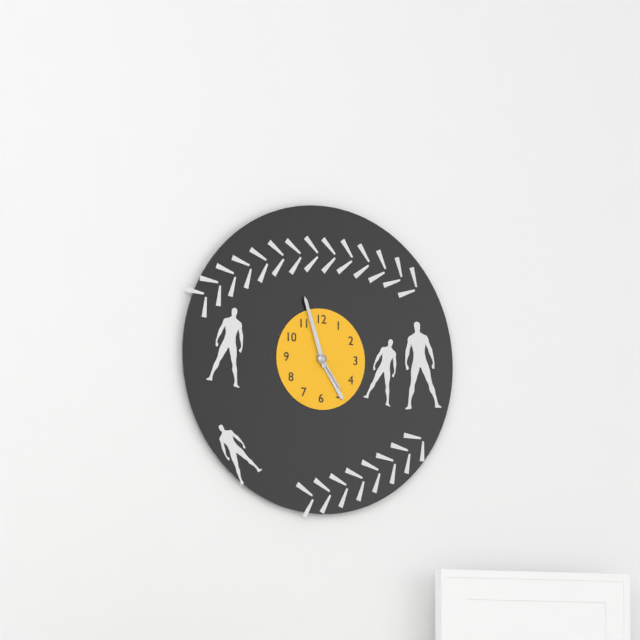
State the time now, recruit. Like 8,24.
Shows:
4,57
